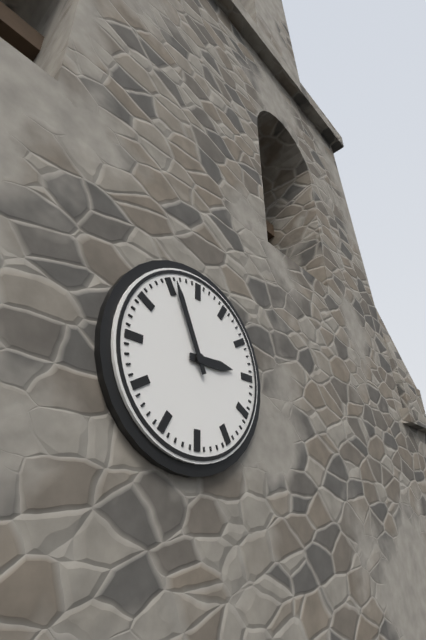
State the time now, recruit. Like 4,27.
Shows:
2,56
